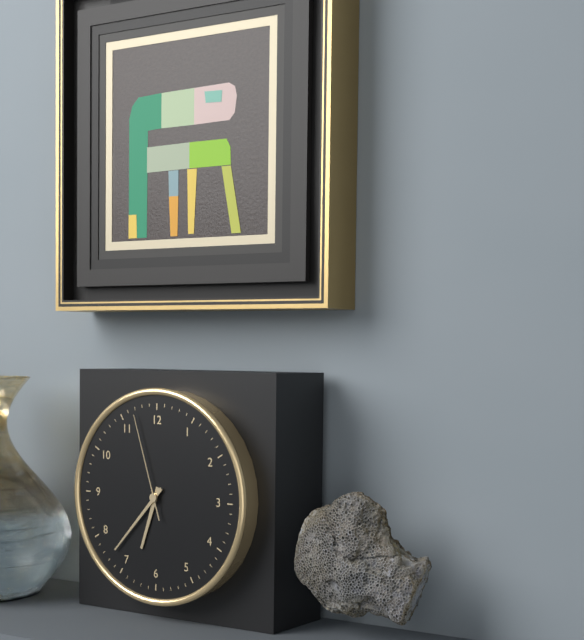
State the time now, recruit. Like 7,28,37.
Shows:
6,37,57
